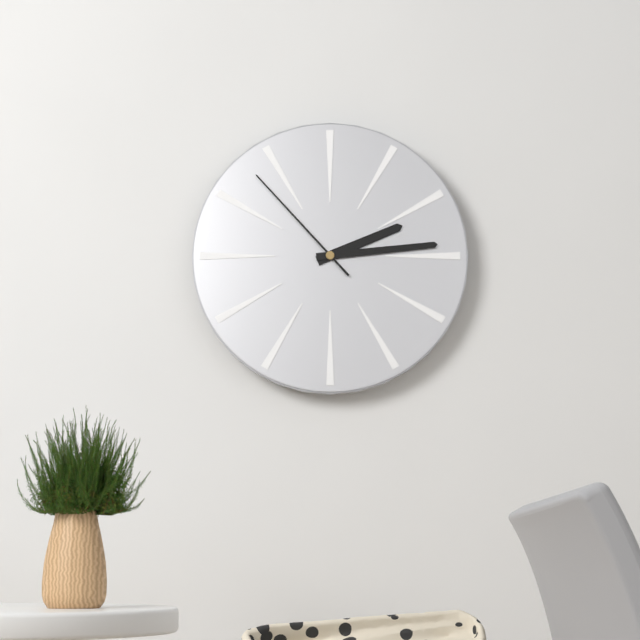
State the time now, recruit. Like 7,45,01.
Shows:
2,14,53
